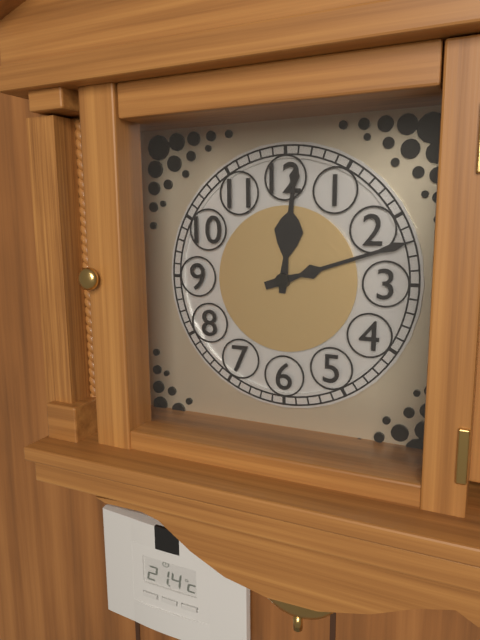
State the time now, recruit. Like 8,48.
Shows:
12,12
